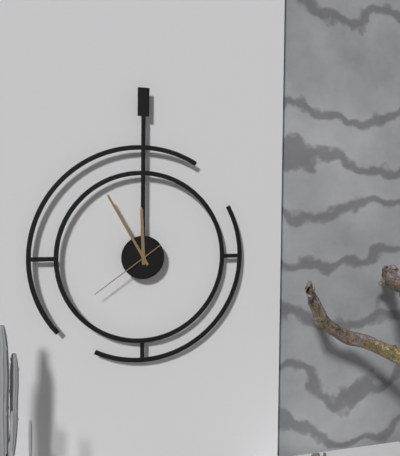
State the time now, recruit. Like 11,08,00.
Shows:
11,55,39
